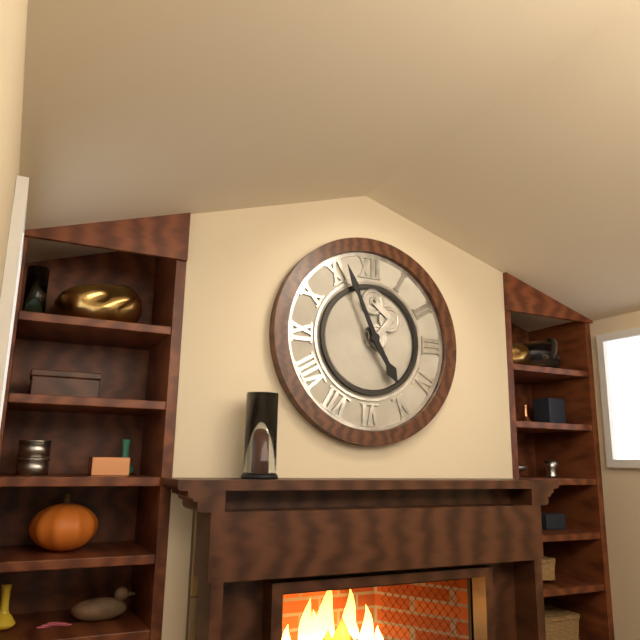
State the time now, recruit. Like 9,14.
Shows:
4,56
